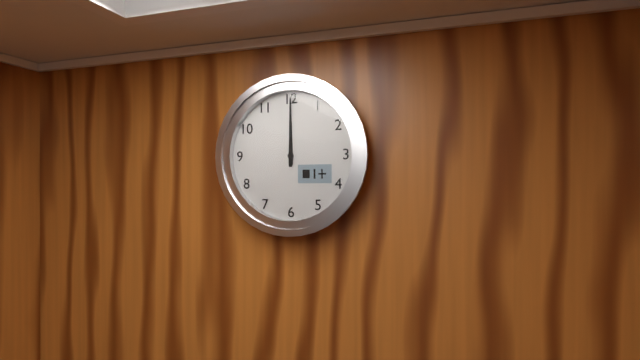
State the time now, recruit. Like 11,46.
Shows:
12,00
